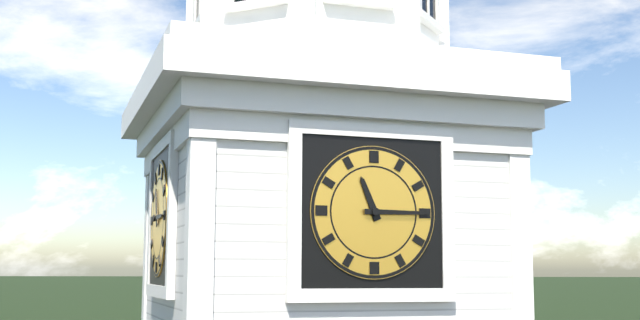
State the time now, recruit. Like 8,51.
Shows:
11,15
